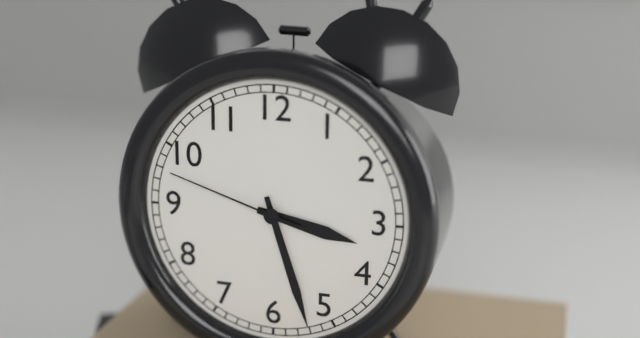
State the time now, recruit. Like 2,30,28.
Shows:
3,27,48
